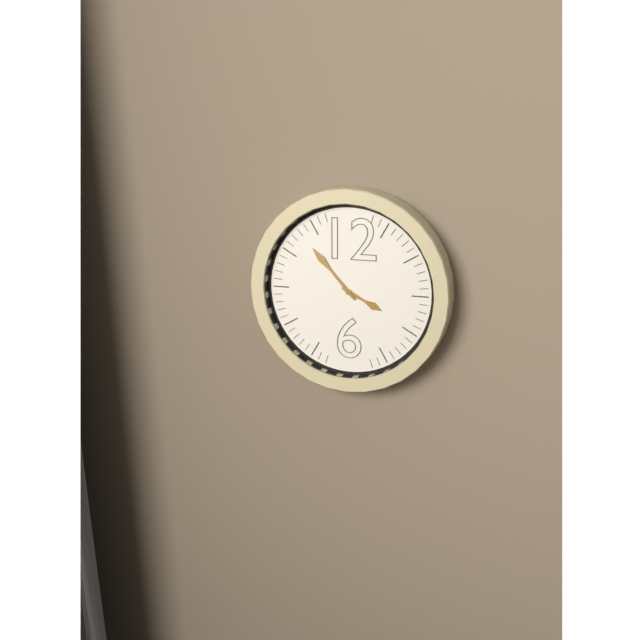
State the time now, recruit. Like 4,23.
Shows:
3,53
